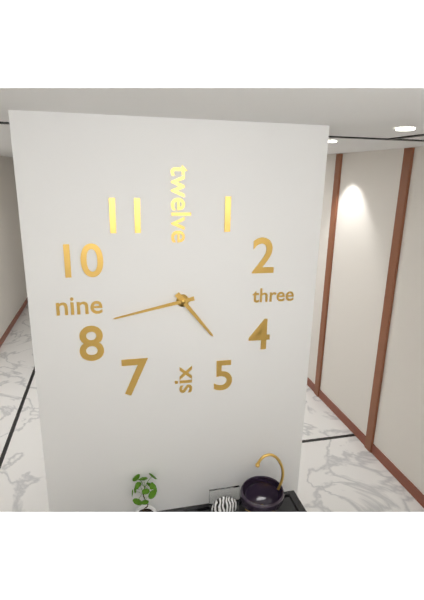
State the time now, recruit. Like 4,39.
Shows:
4,43
